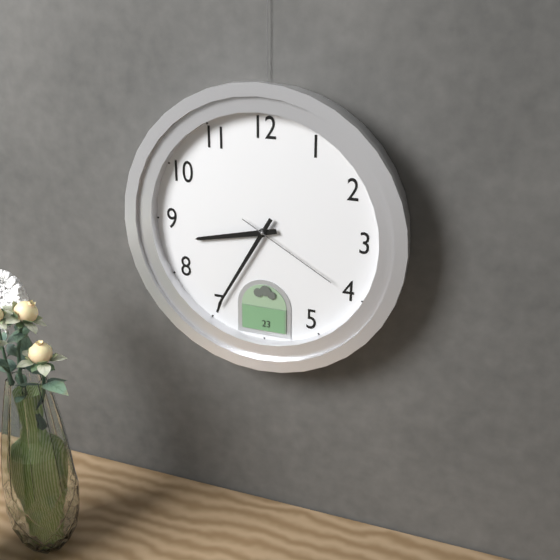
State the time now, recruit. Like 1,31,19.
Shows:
8,35,20
